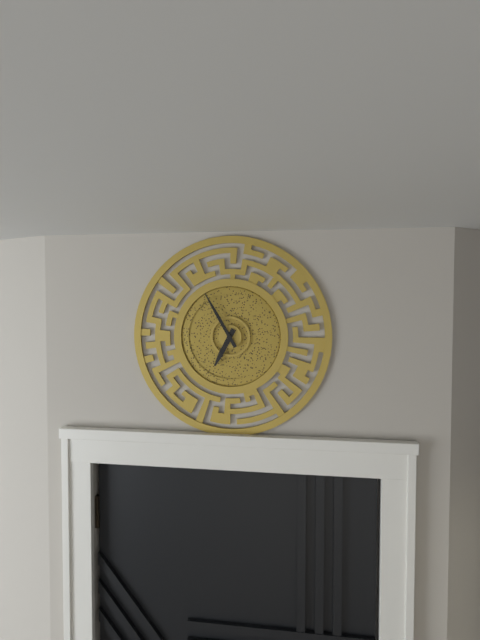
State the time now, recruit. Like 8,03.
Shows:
6,55
